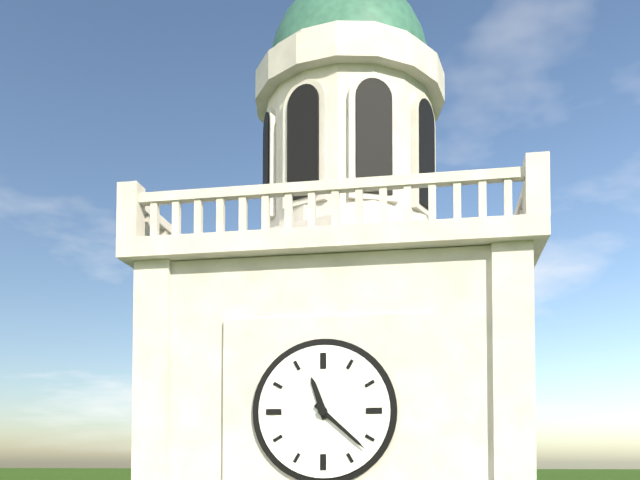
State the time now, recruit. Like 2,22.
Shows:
11,22
